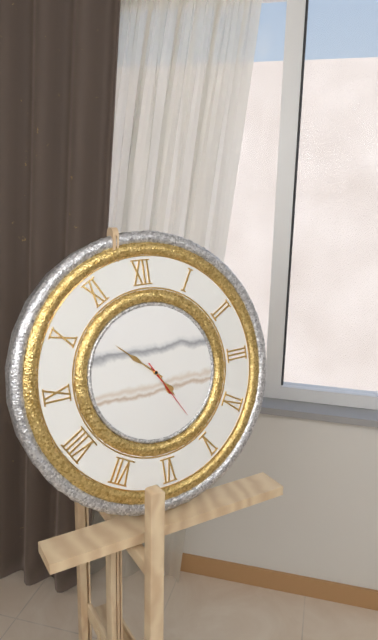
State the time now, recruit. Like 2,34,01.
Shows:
4,52,25
